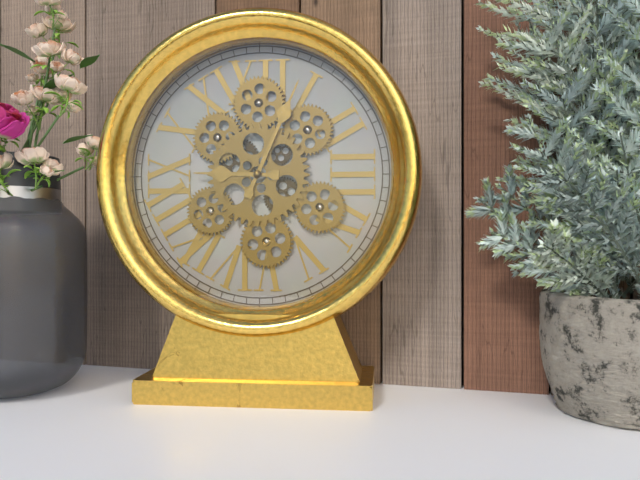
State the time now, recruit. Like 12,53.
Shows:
9,04
